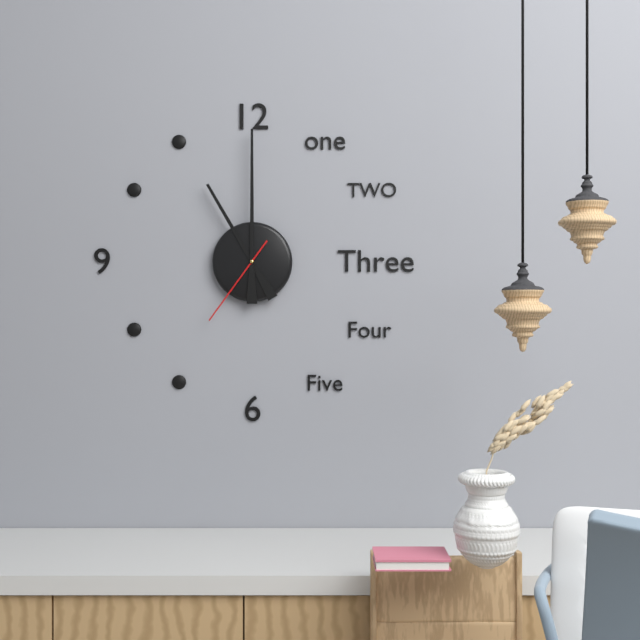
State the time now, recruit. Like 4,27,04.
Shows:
11,00,36
